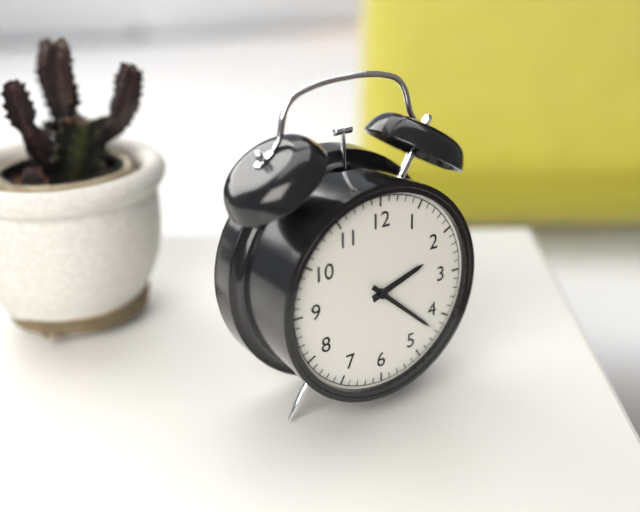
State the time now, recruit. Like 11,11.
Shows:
2,22
